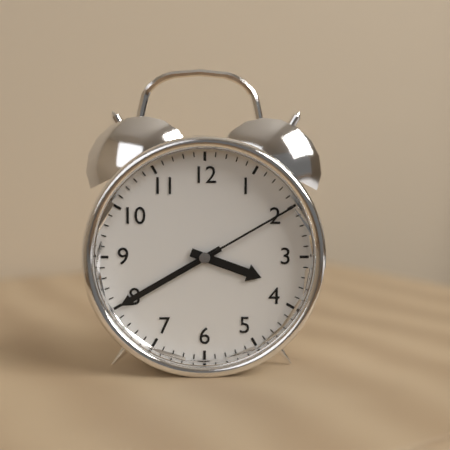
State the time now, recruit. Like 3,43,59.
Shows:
3,40,10
